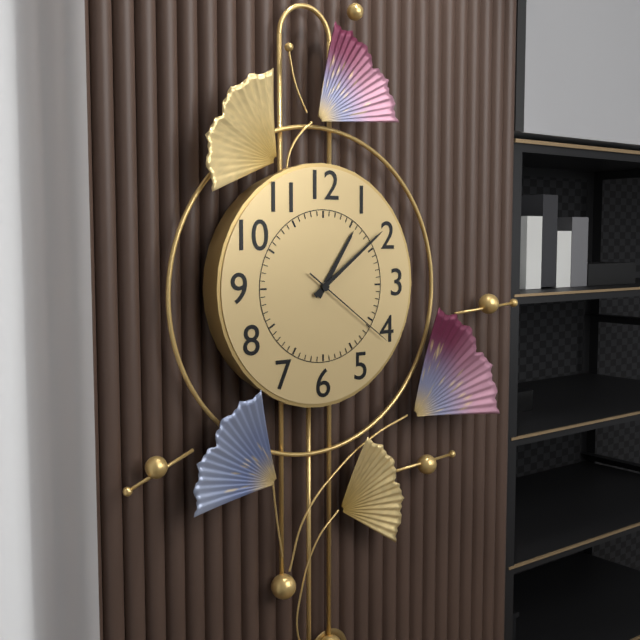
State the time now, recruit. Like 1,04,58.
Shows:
1,09,21
